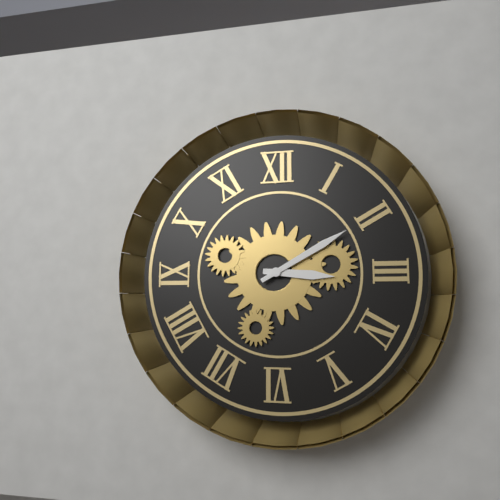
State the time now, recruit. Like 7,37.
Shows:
3,10
